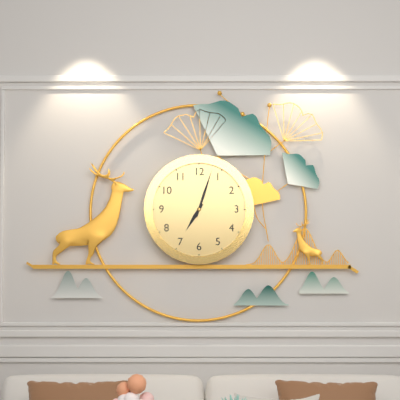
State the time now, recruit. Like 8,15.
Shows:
7,03
